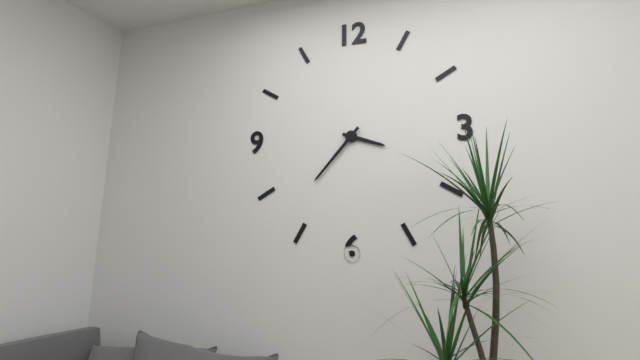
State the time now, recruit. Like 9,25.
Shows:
3,37
